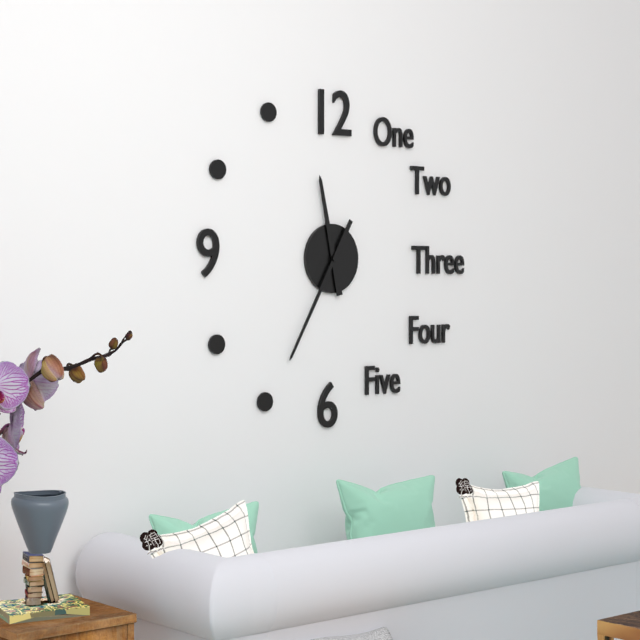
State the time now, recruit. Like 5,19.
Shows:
11,35
